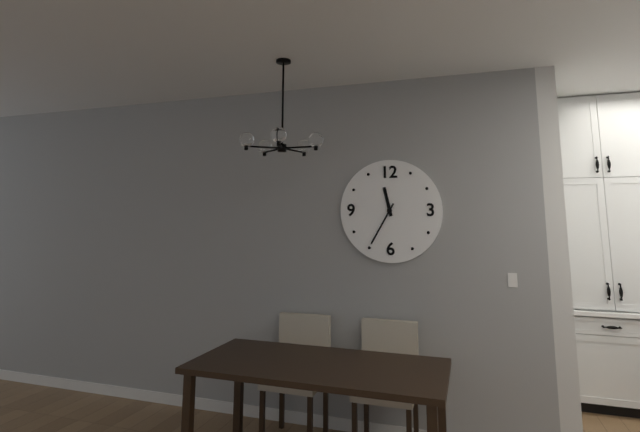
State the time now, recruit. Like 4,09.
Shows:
11,35
